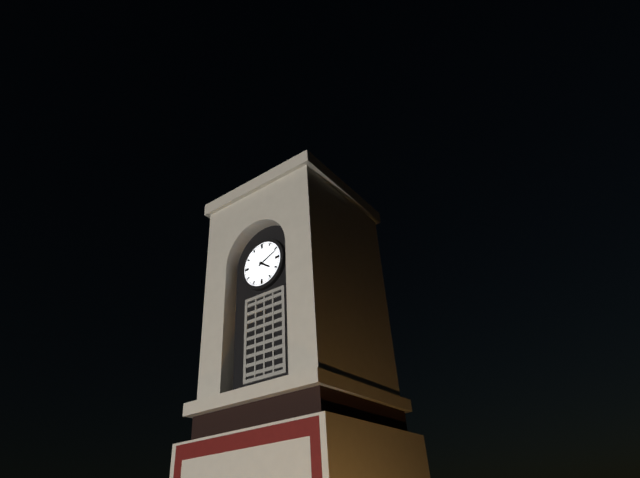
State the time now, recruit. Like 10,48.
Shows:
4,11
